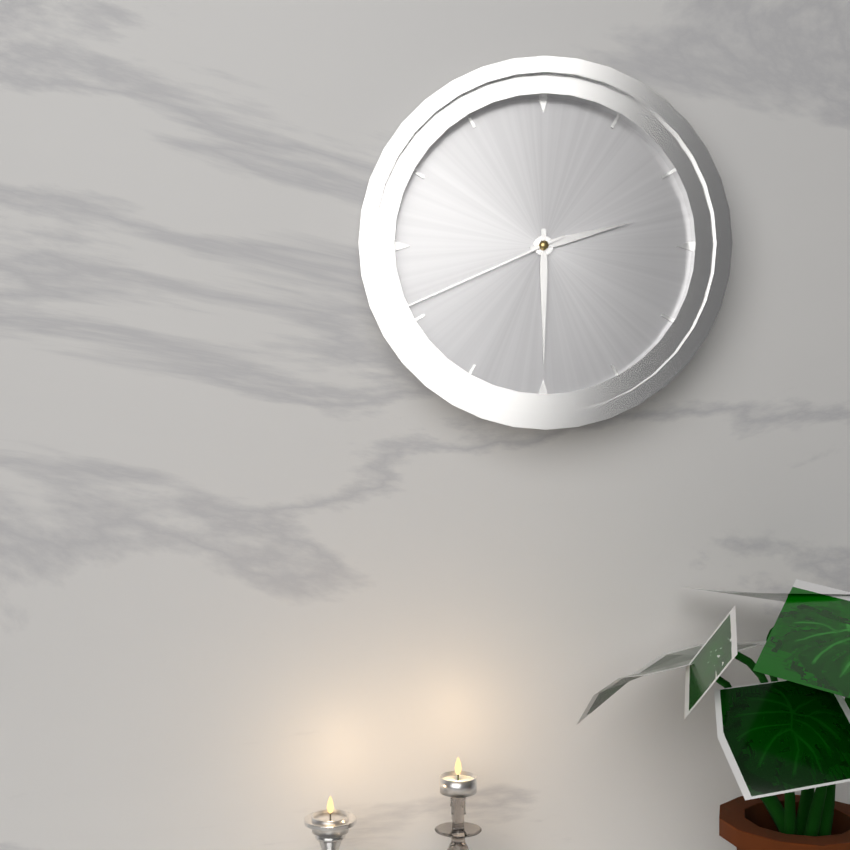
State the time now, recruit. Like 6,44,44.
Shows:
2,30,41
